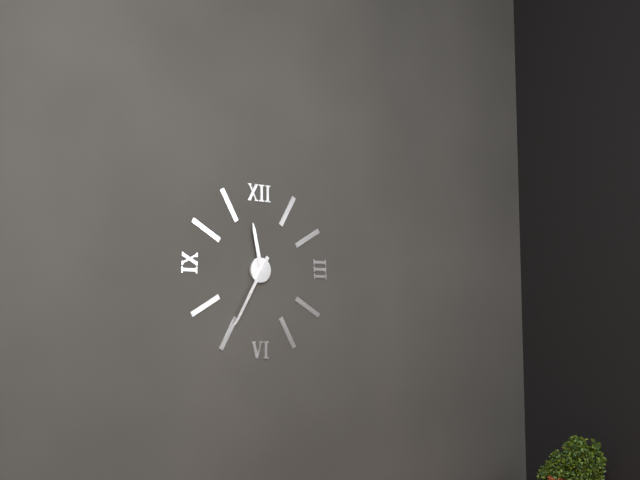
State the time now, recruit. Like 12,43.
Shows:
11,35
